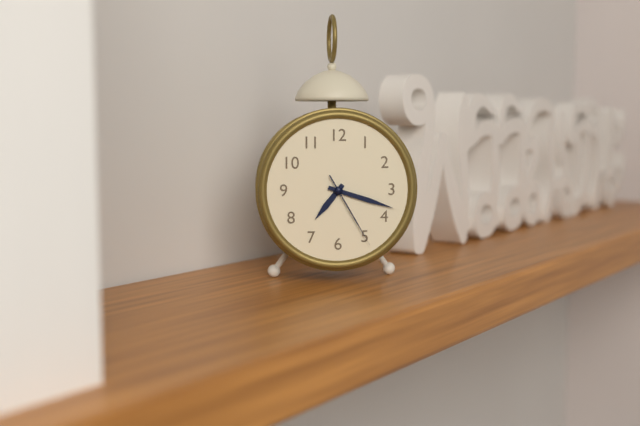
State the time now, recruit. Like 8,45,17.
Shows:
7,18,25
